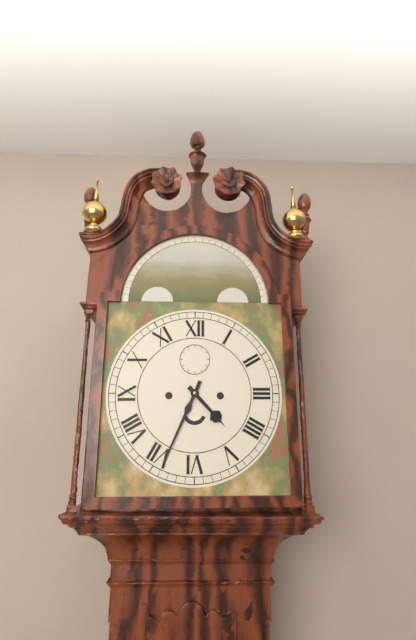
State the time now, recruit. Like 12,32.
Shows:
4,34
